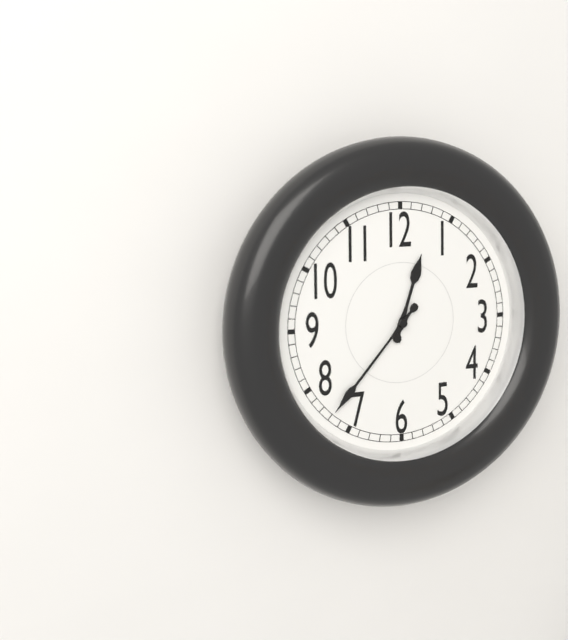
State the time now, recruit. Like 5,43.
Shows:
12,37
